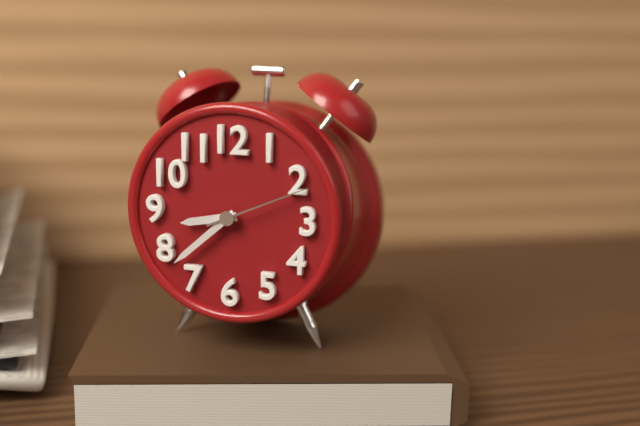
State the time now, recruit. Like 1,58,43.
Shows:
8,38,11
